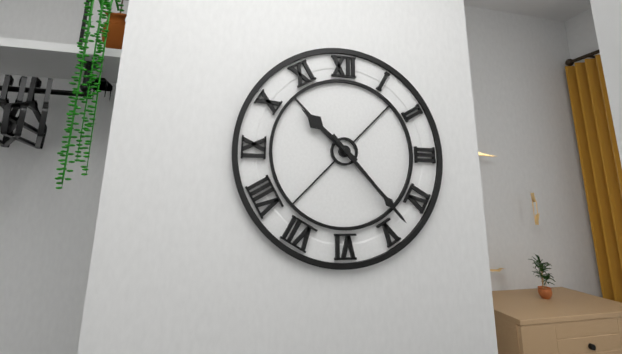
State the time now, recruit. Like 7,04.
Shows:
10,23
